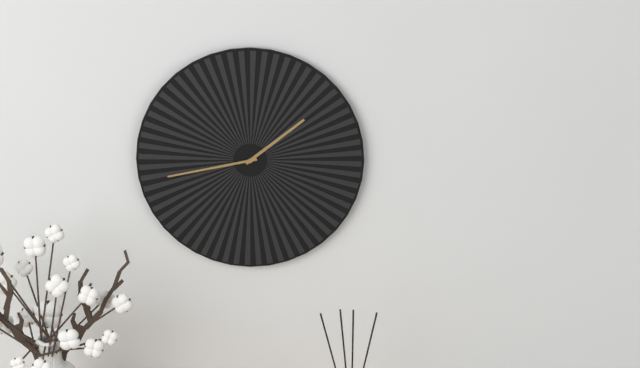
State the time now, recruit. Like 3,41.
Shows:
1,43
